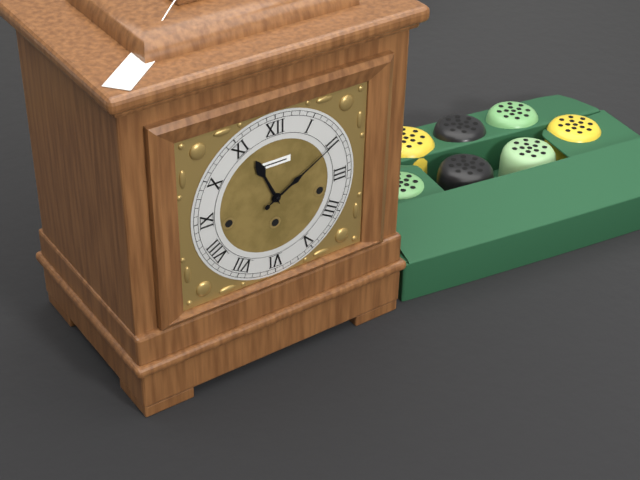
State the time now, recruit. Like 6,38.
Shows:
11,10
